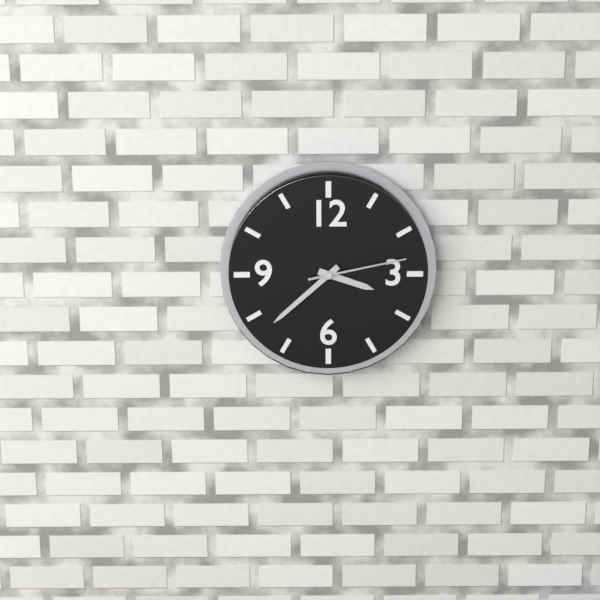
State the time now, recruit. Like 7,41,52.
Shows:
3,38,13
